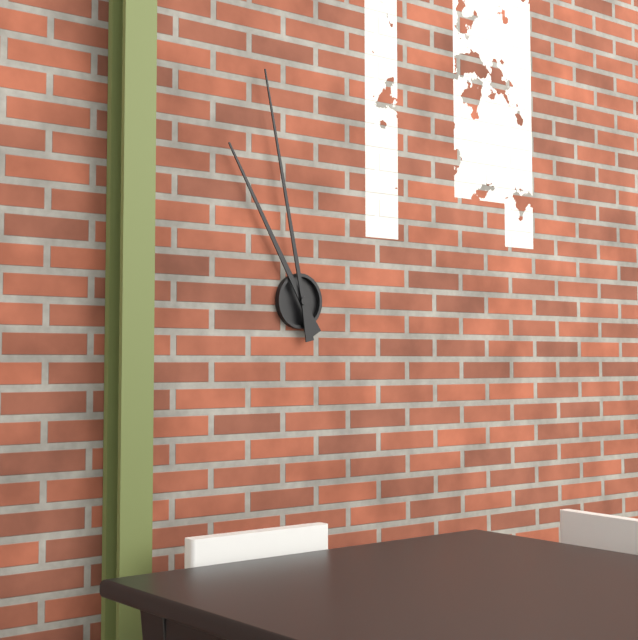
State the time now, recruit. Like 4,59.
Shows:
10,58
